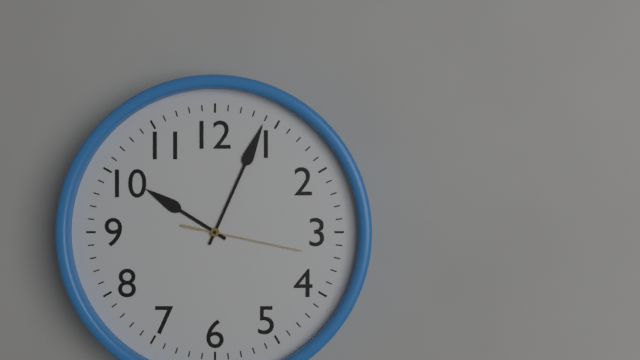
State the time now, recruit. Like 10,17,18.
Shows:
10,04,17
